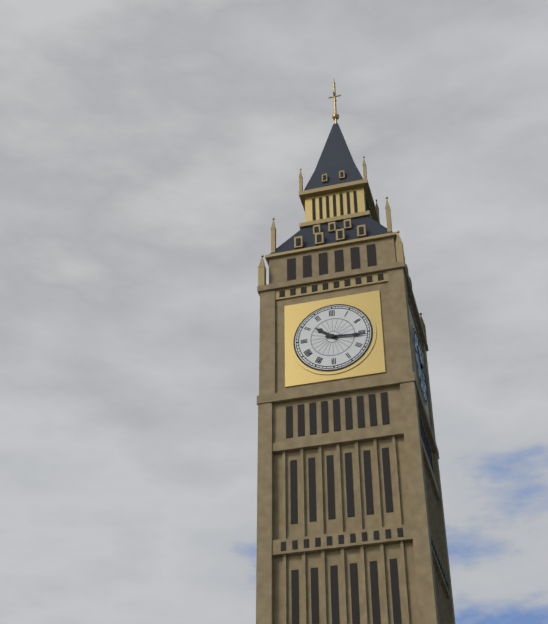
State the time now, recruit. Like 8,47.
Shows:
10,16
